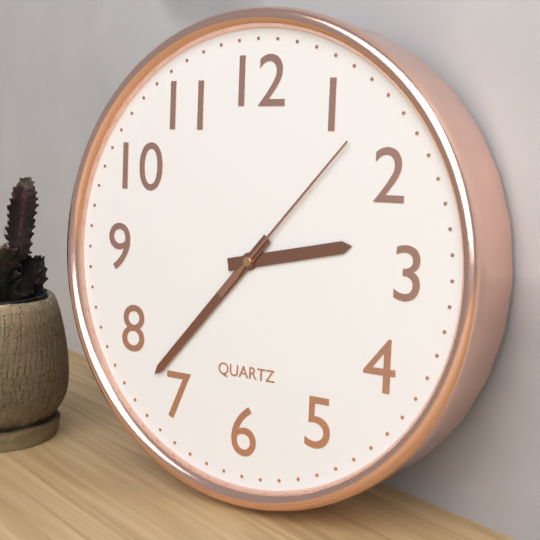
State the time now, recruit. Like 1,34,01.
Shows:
2,37,07
